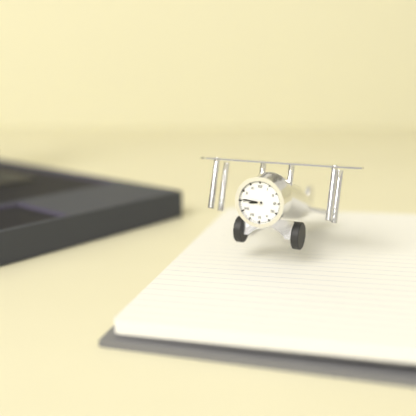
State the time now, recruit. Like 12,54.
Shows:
8,46
